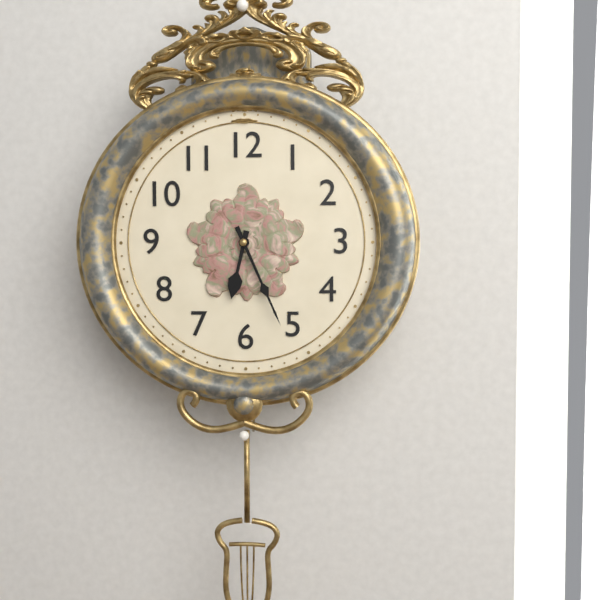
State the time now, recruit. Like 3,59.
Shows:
6,26
